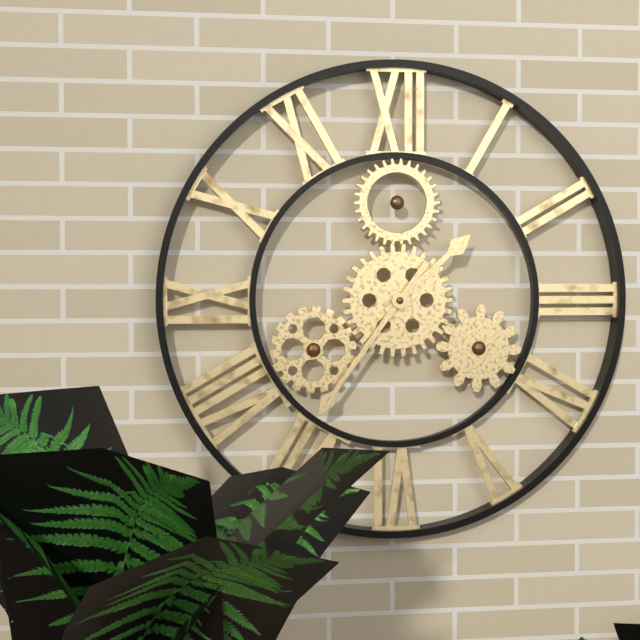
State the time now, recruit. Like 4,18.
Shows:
1,36
